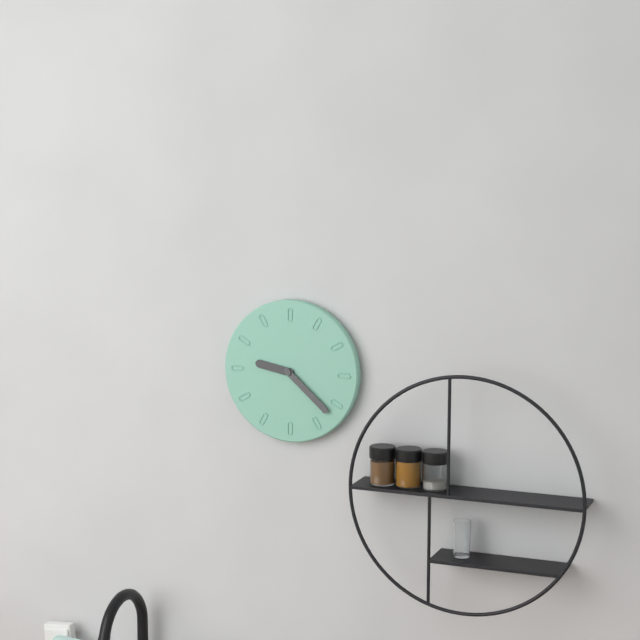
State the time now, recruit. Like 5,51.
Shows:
9,22
